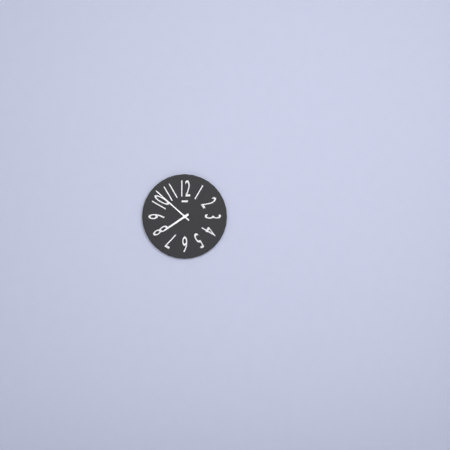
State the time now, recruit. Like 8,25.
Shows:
7,52
